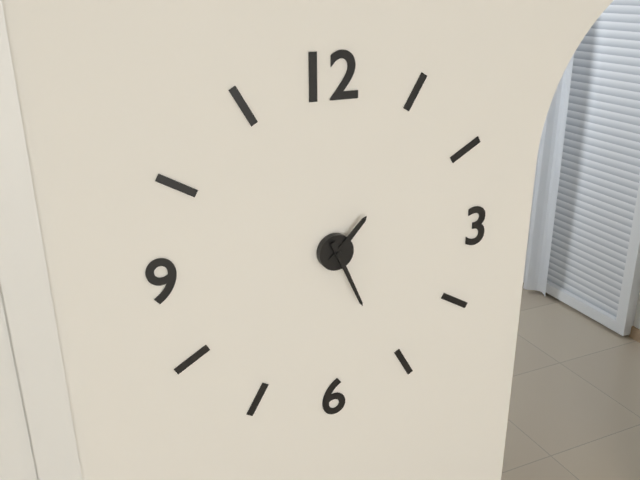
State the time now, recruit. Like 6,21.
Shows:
1,26
